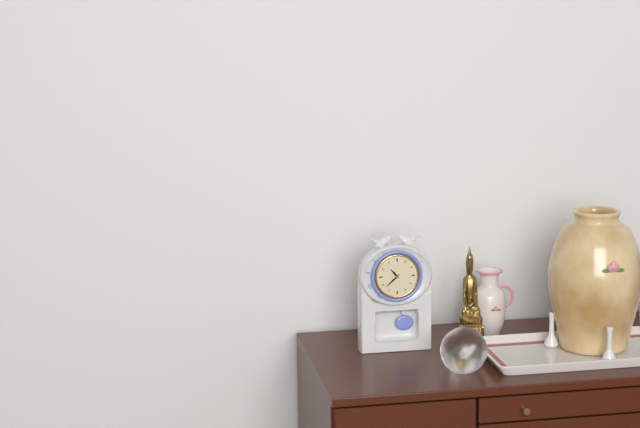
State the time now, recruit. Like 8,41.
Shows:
10,38
